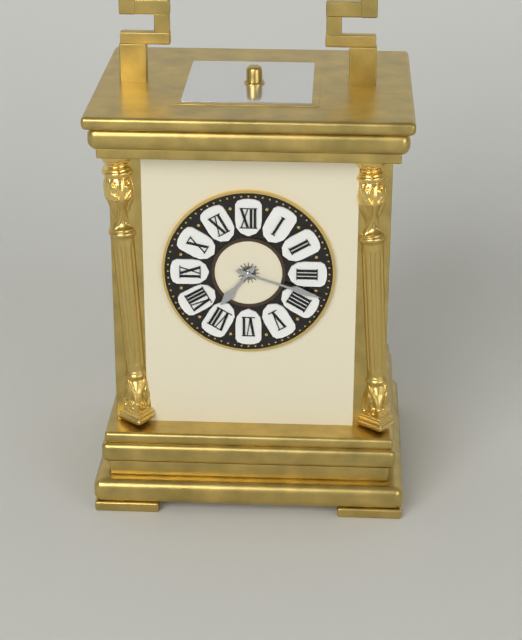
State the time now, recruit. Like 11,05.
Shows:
7,18
